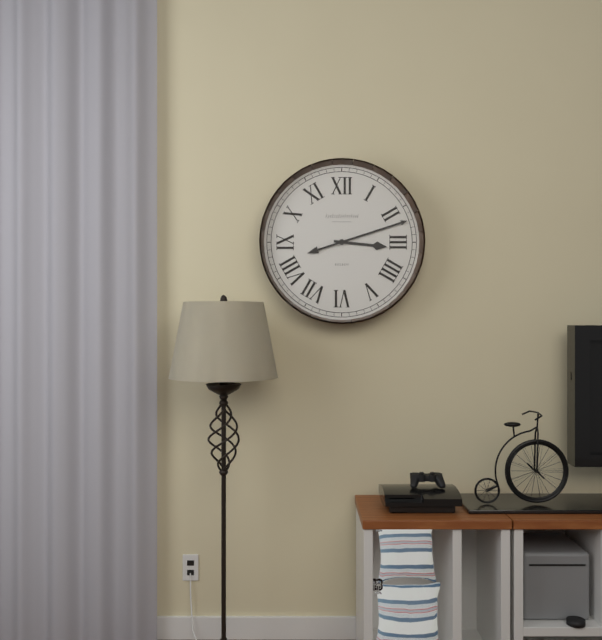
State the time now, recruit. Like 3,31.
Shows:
3,12
